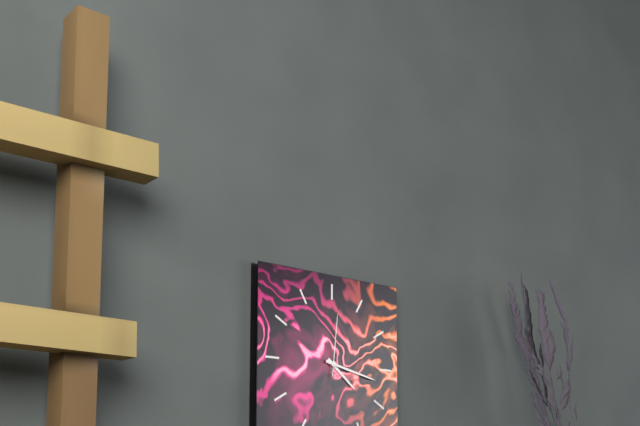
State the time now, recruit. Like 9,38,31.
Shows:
4,17,01
